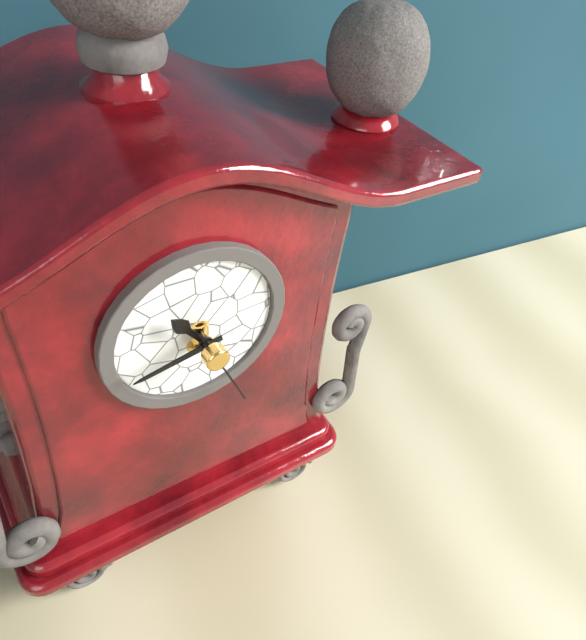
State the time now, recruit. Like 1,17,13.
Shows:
10,43,26
